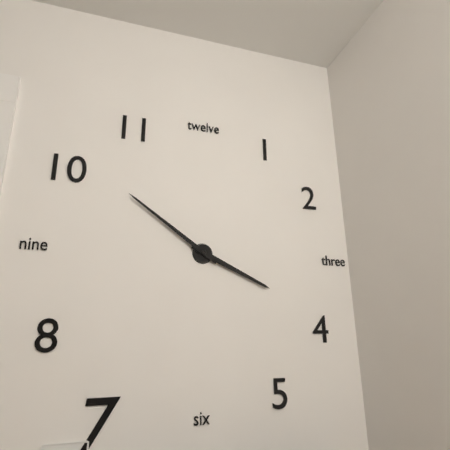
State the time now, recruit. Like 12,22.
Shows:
3,51
